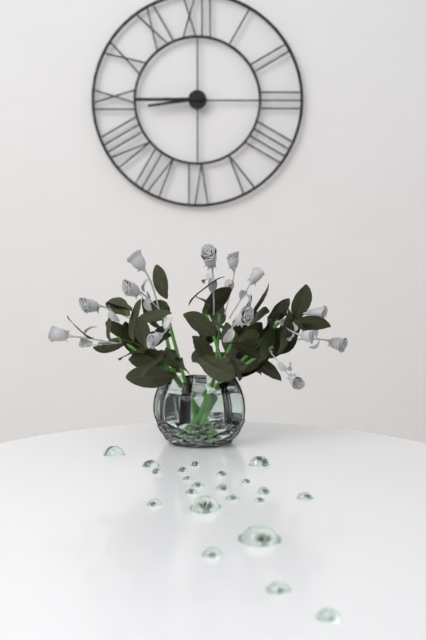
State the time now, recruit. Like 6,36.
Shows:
8,45
